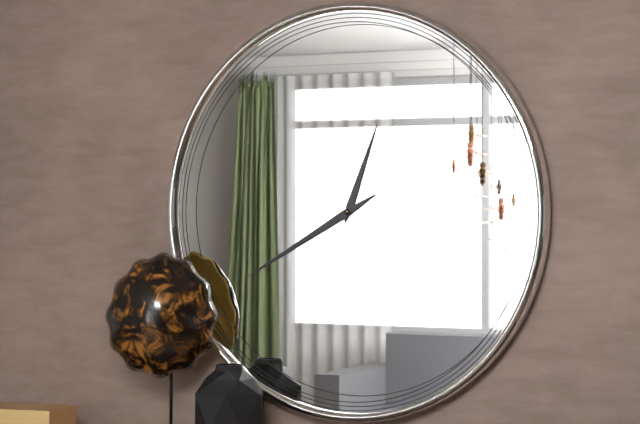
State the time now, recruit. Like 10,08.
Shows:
12,40
